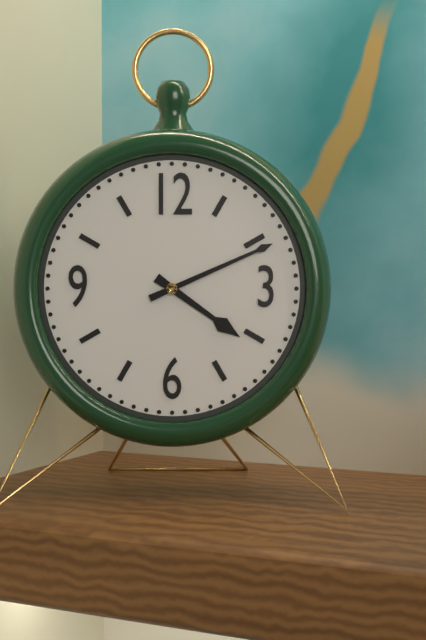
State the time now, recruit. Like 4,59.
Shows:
4,11
